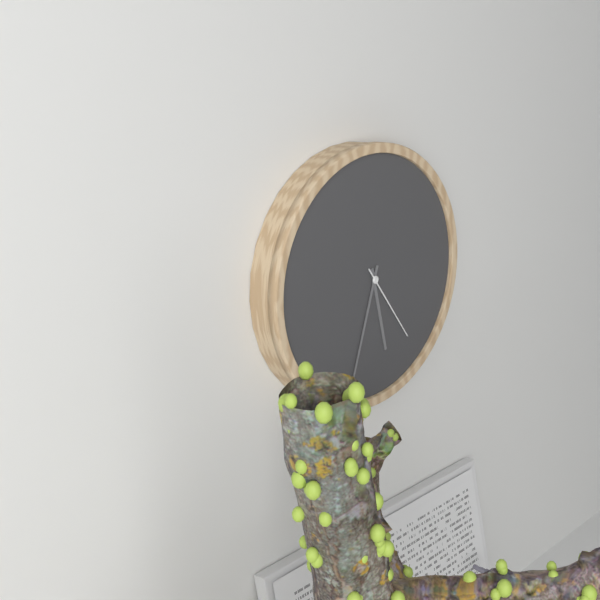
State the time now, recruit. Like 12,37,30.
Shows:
5,33,24
